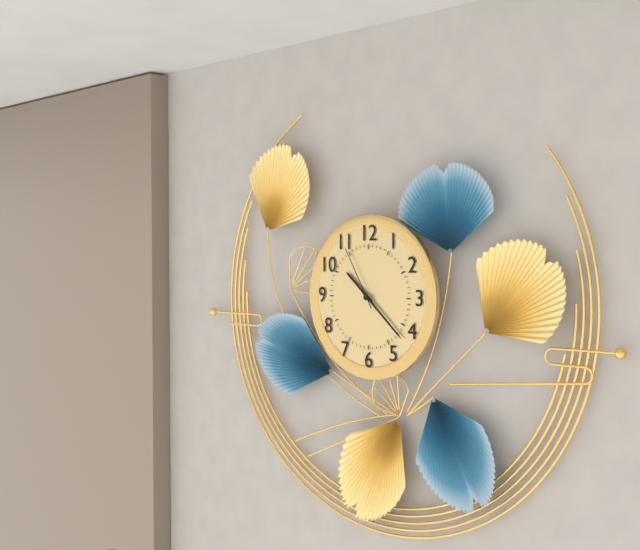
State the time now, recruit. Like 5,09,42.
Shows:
10,22,55
